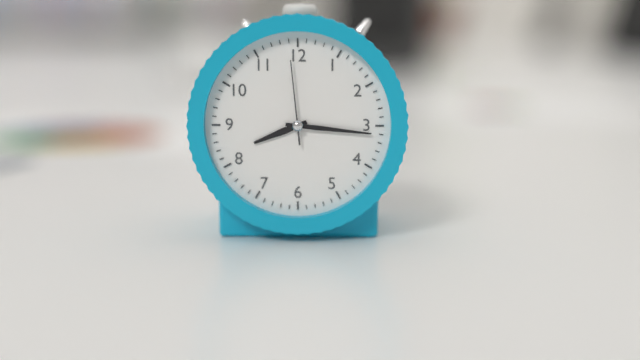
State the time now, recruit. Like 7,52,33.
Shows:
8,16,59
